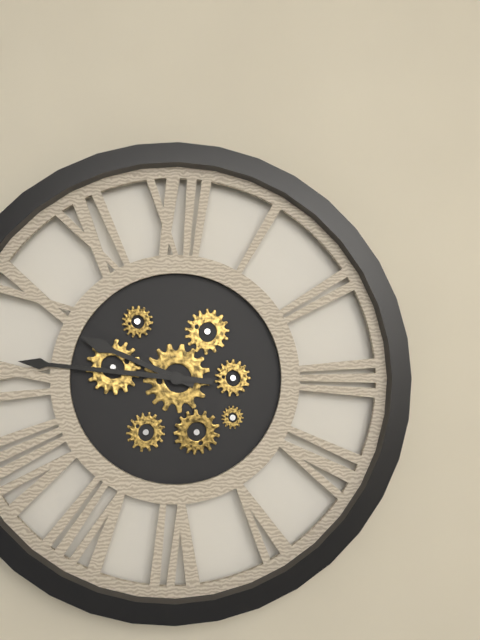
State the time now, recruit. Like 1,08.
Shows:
9,46
